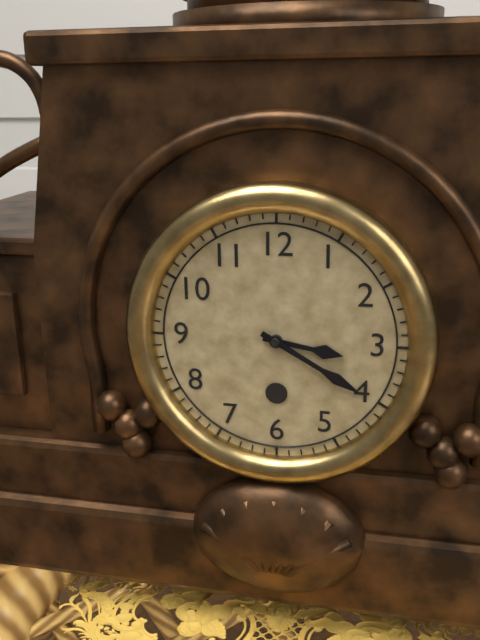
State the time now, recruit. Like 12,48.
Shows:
3,20
